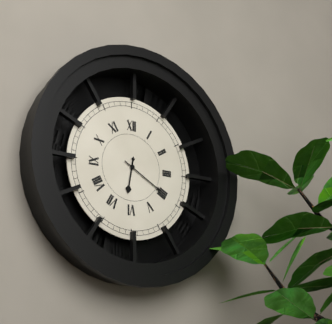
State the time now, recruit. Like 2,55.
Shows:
6,20
